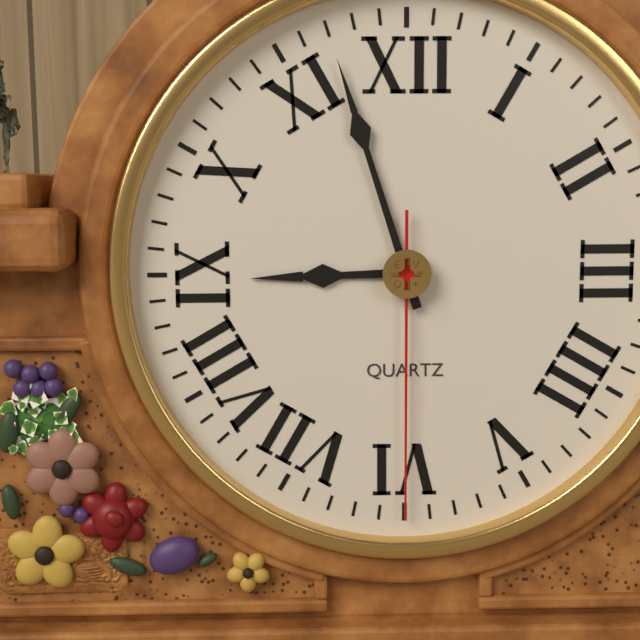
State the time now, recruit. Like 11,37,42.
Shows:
8,57,30
